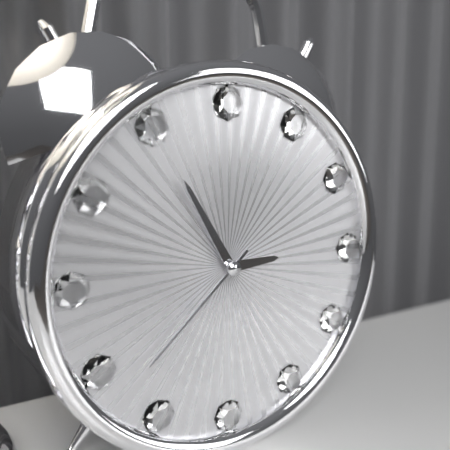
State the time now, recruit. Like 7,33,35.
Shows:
2,55,38
